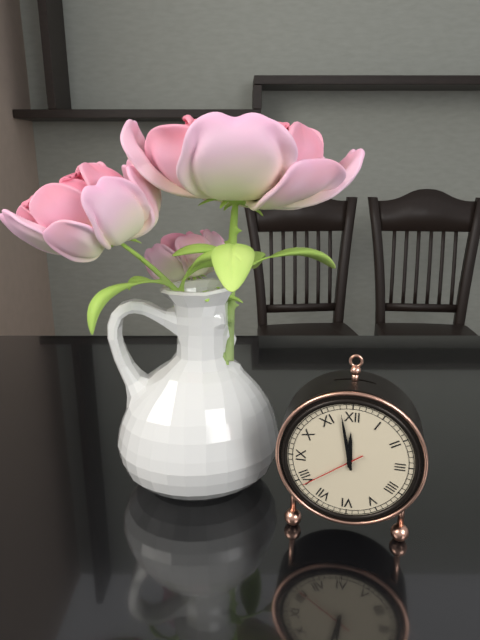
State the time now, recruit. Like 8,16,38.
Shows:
11,58,39
